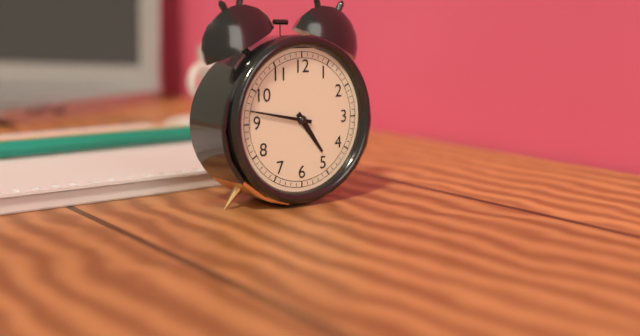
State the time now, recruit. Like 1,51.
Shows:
4,47
